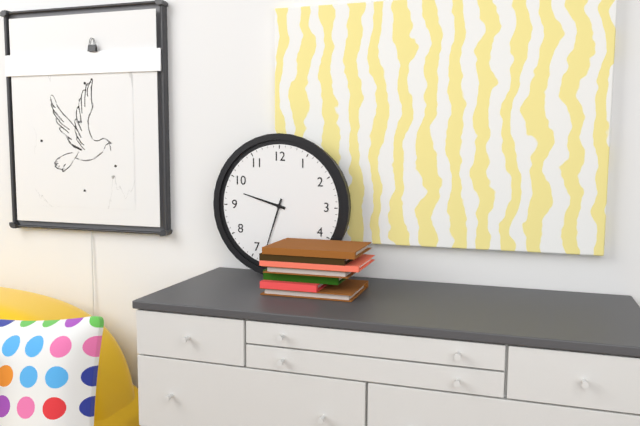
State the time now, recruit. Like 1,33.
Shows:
9,33
